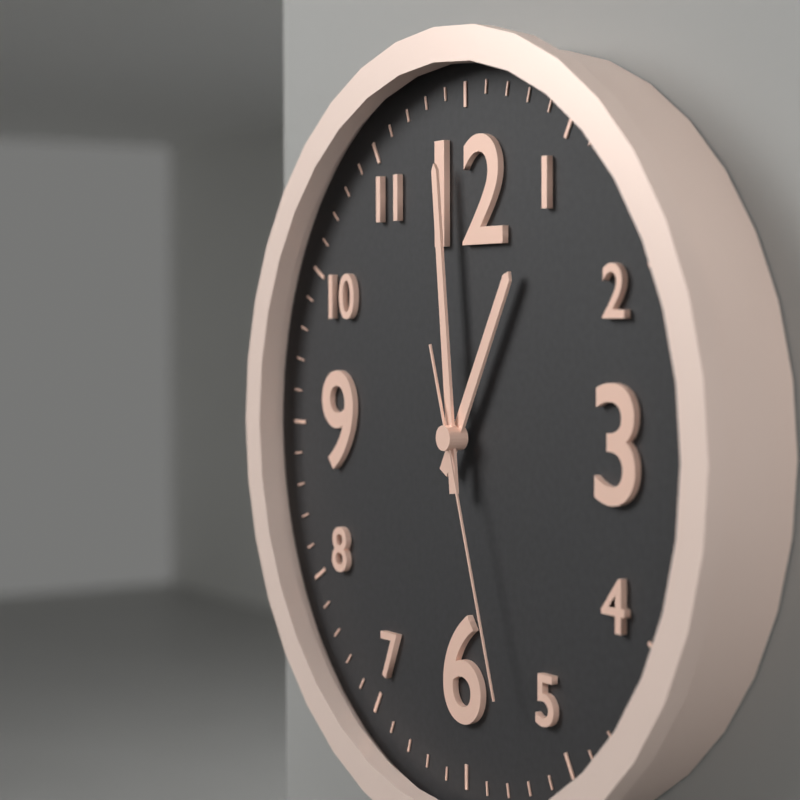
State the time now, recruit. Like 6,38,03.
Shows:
12,59,27
